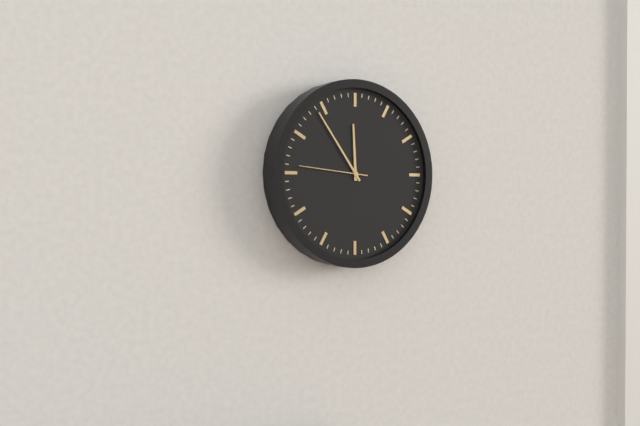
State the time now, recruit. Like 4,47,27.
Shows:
11,54,46
